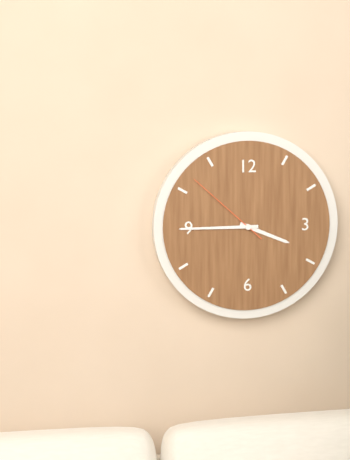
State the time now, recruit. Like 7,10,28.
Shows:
3,45,52
